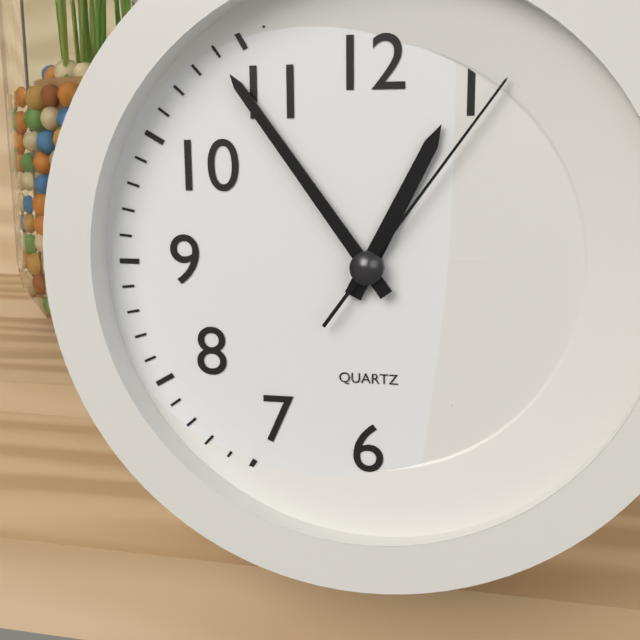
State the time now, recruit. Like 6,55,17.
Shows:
12,54,06
